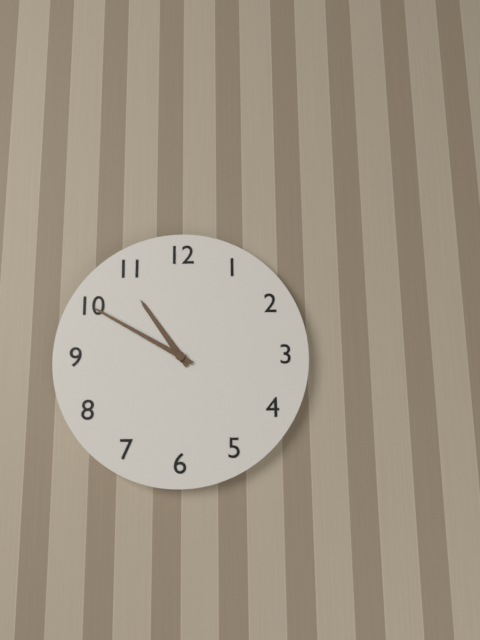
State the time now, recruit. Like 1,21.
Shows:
10,50
